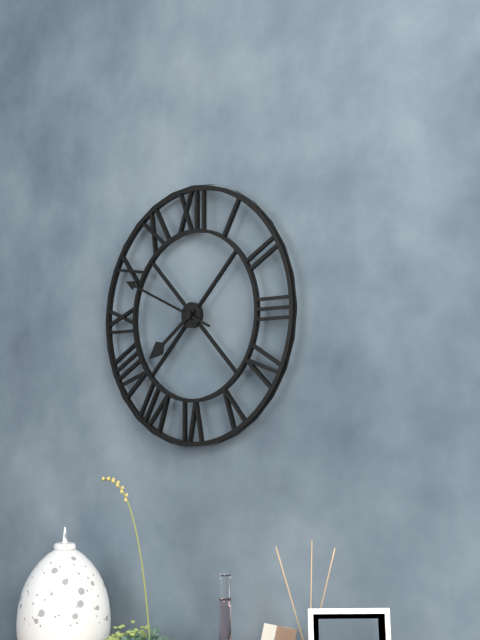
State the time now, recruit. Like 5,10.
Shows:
7,49
